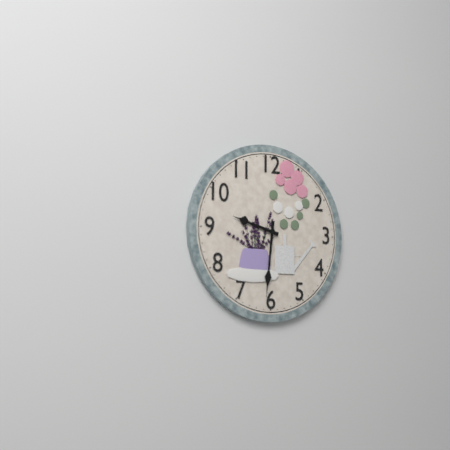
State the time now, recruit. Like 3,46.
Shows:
9,31
